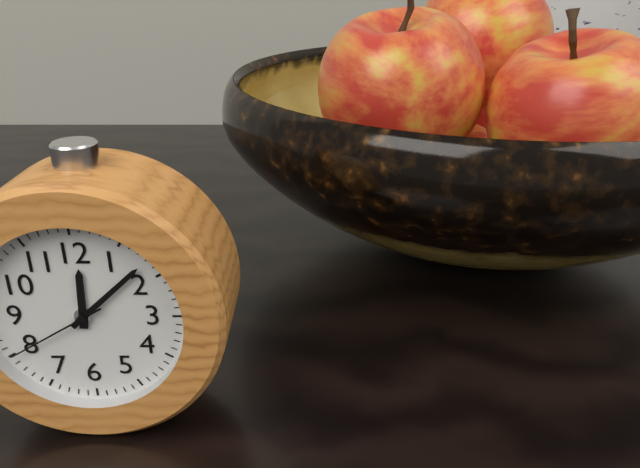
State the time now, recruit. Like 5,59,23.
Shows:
12,08,40
